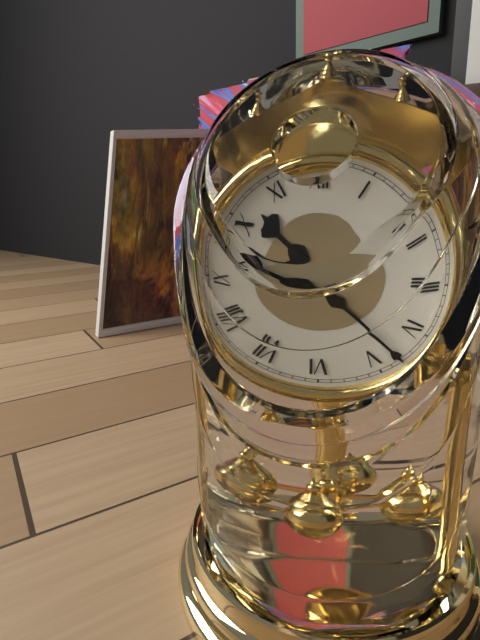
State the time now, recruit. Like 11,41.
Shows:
10,23
